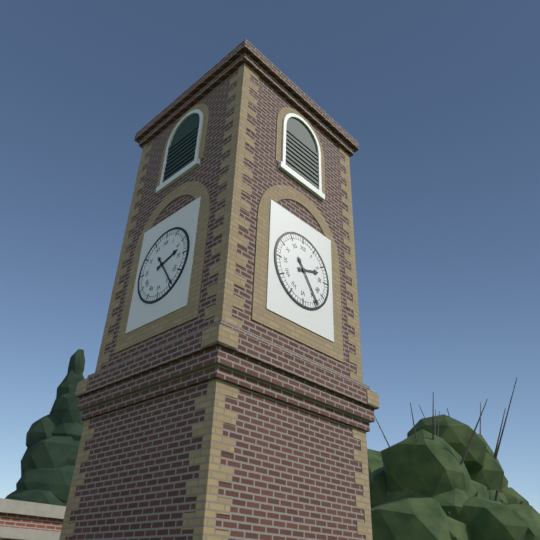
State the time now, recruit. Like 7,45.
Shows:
2,24
